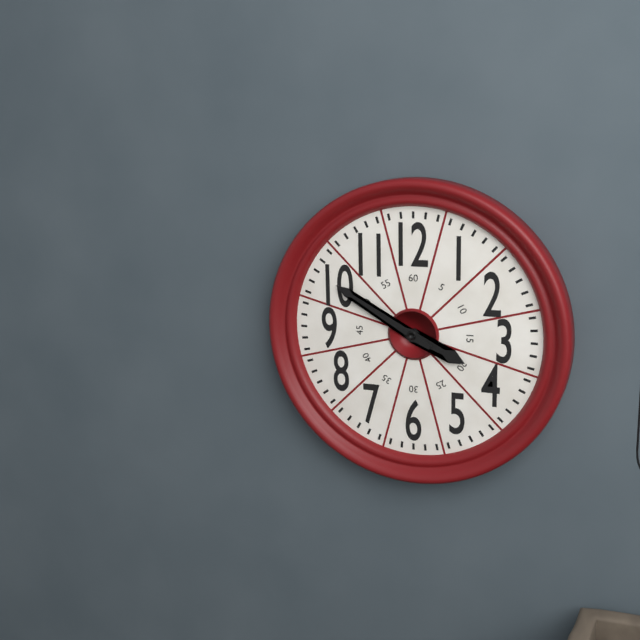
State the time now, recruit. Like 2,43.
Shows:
3,50
